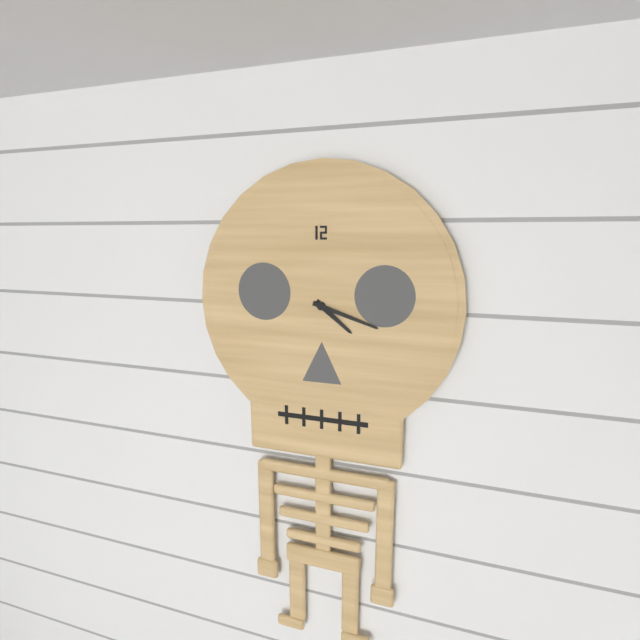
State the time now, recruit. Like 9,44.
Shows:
4,18
